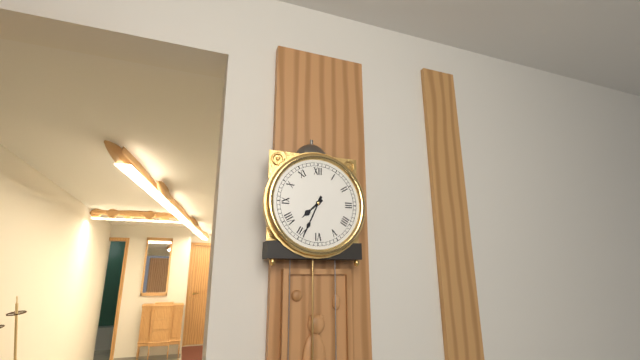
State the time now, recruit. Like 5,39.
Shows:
7,34
